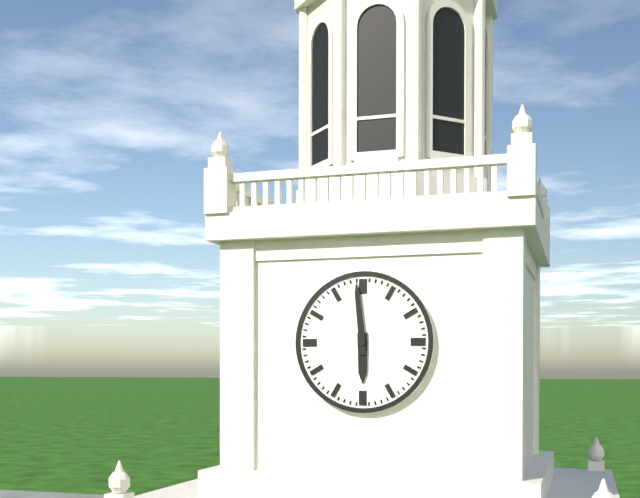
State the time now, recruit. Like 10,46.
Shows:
5,59
